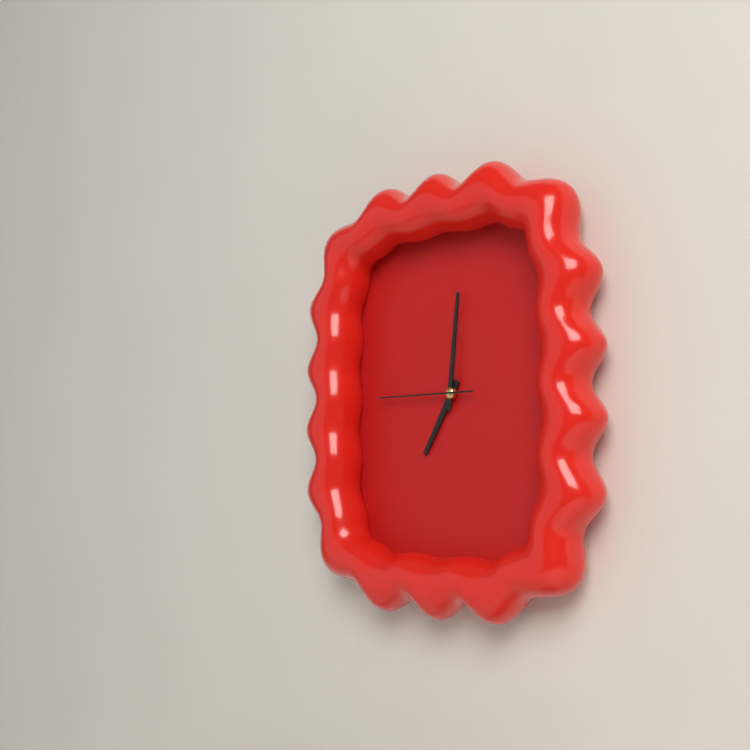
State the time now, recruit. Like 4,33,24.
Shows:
7,01,45
